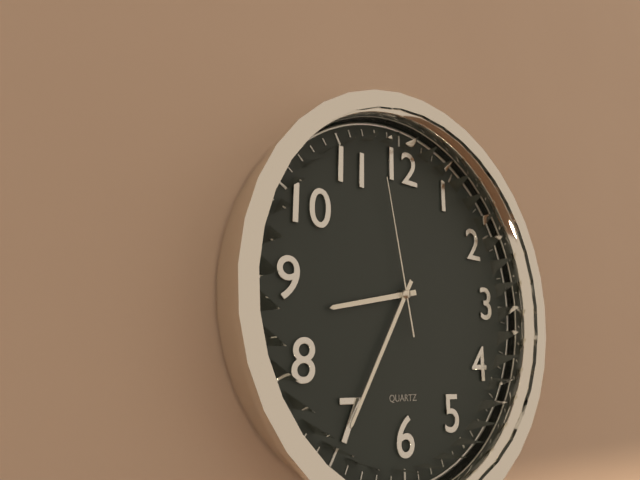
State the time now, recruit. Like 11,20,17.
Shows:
8,35,58
